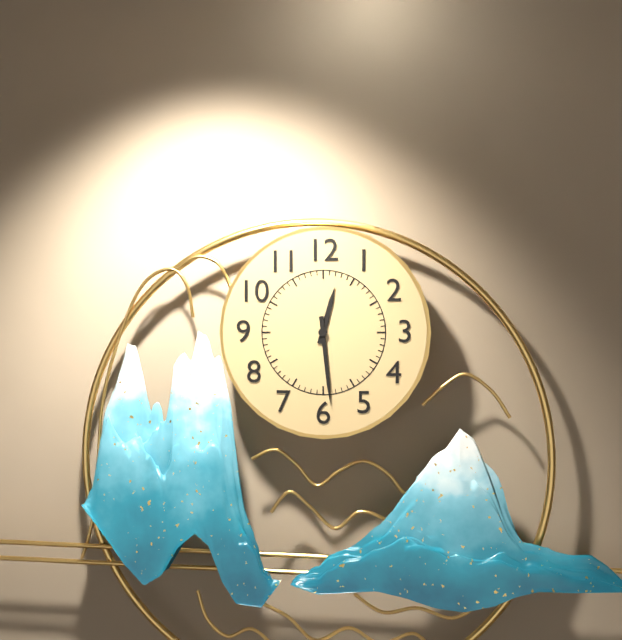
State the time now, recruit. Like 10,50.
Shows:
12,29
